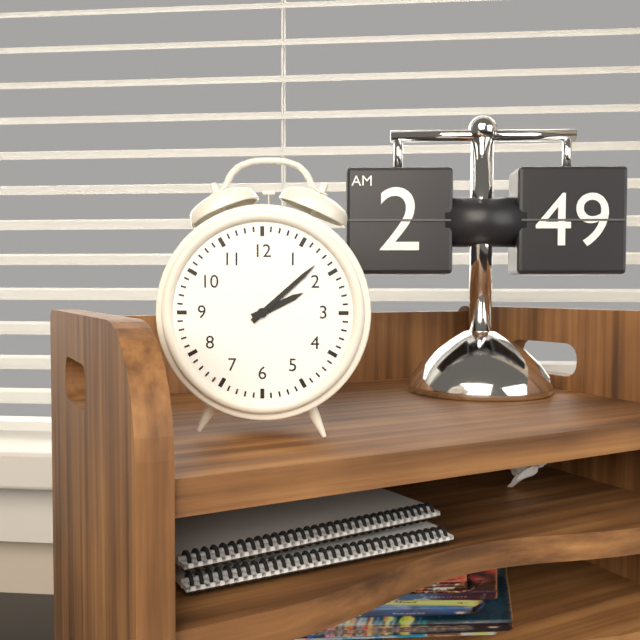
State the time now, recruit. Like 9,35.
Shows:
2,08
